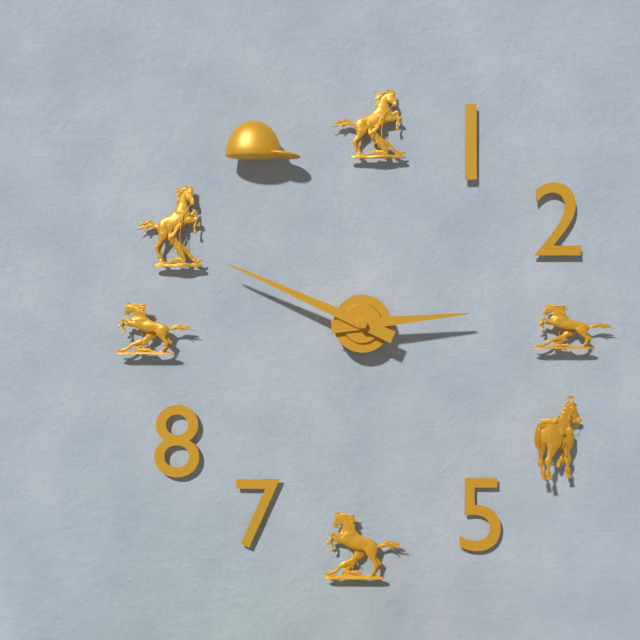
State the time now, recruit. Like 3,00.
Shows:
2,49
